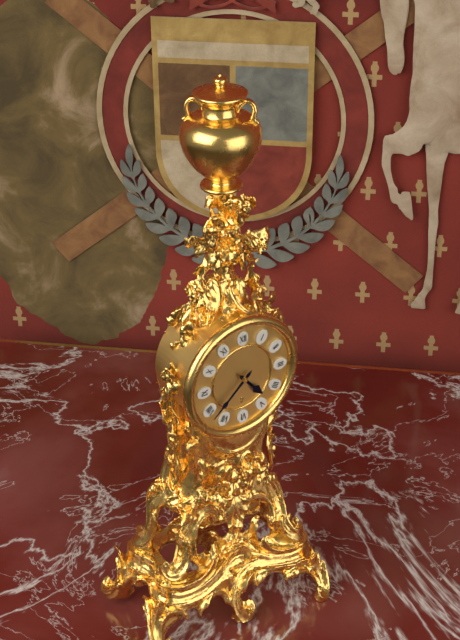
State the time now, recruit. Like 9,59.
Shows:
4,38
